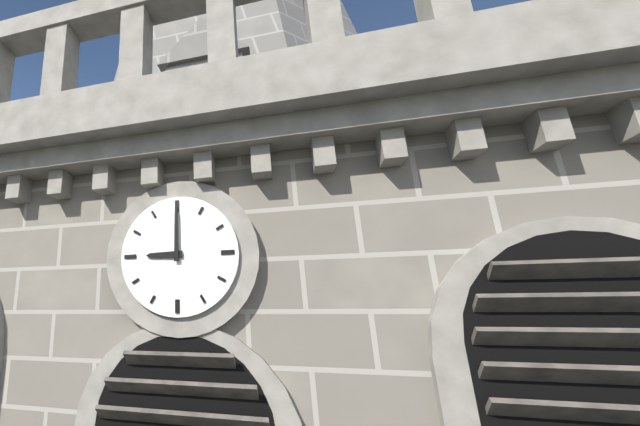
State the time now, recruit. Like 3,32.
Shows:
9,00
